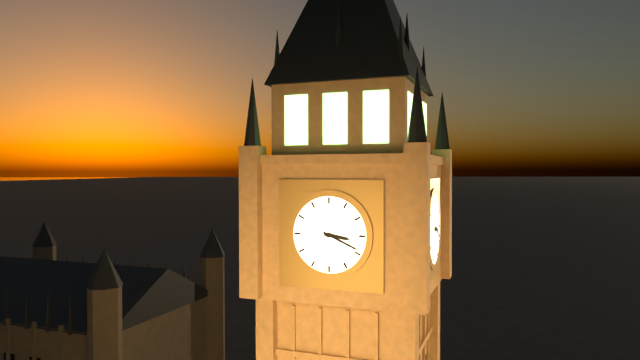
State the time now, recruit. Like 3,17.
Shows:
3,19
